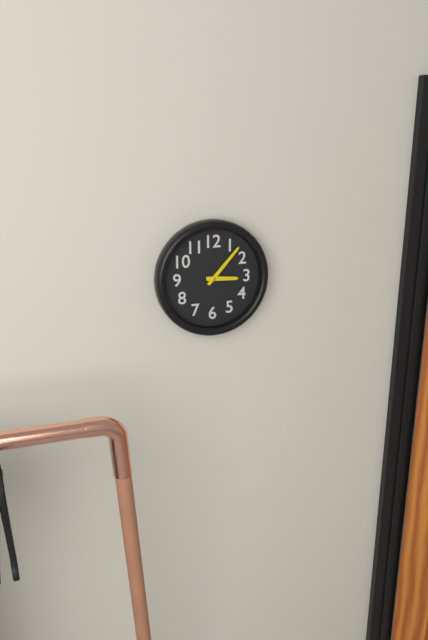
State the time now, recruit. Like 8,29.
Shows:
3,07
